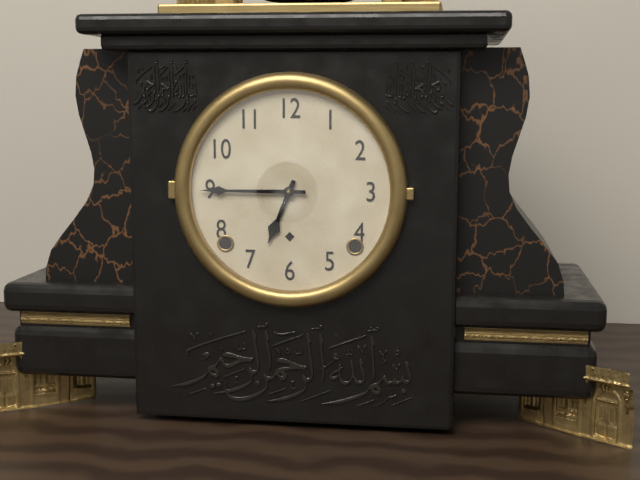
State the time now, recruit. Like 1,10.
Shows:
6,45
